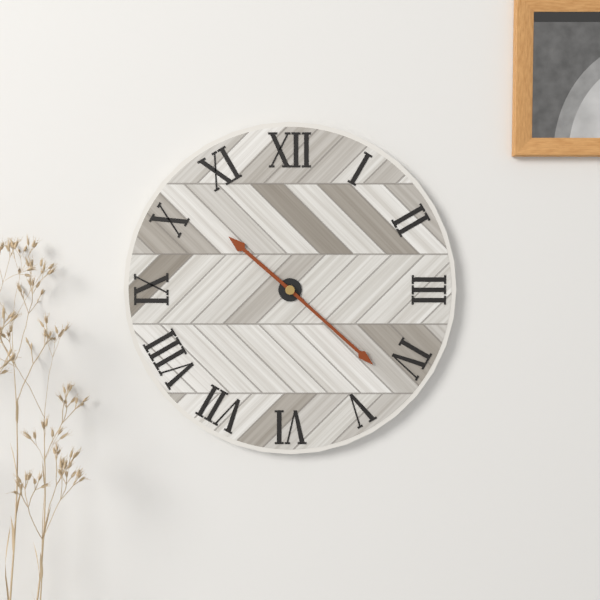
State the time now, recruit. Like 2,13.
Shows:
10,22
